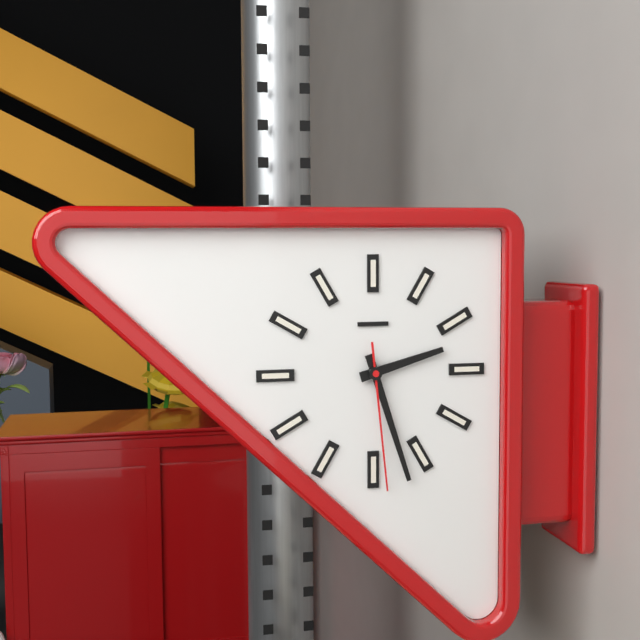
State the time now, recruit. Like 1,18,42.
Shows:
2,27,29
